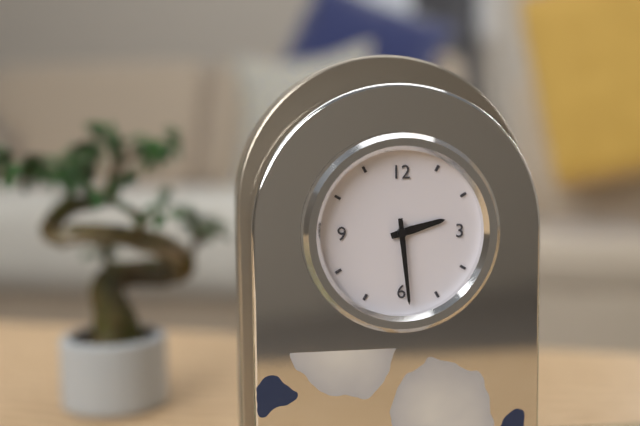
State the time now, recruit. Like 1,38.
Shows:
2,29
